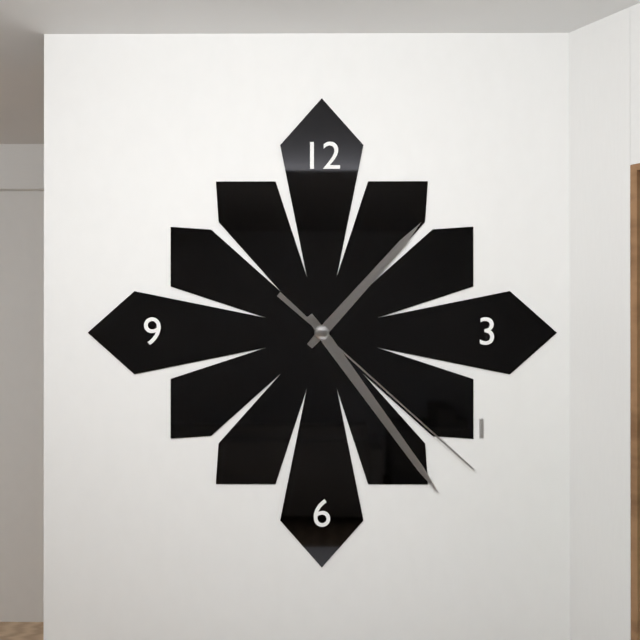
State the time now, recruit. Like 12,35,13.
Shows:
1,24,22
